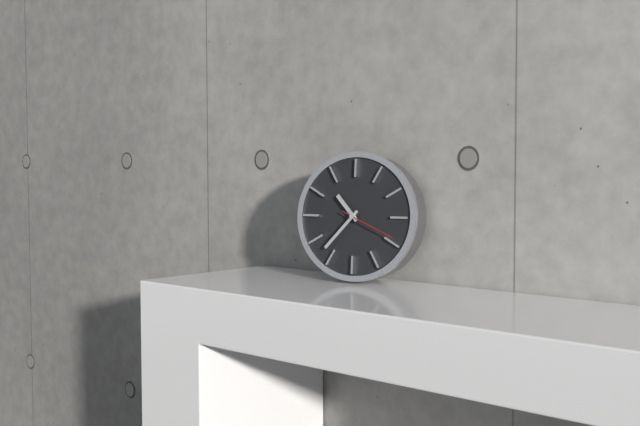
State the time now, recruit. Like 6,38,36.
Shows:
10,37,19
